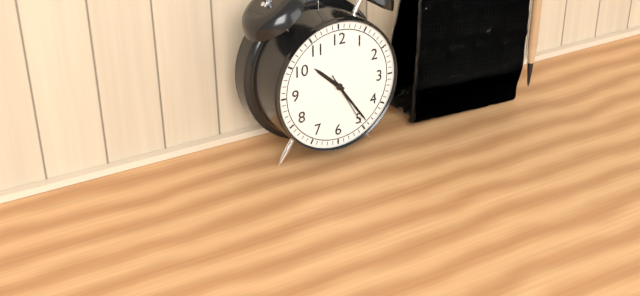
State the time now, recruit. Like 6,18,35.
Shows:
10,24,25
